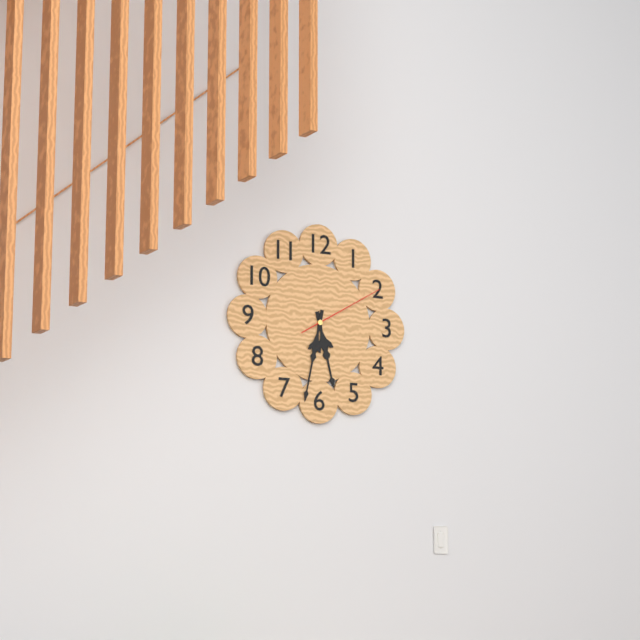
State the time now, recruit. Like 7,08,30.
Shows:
5,32,10
